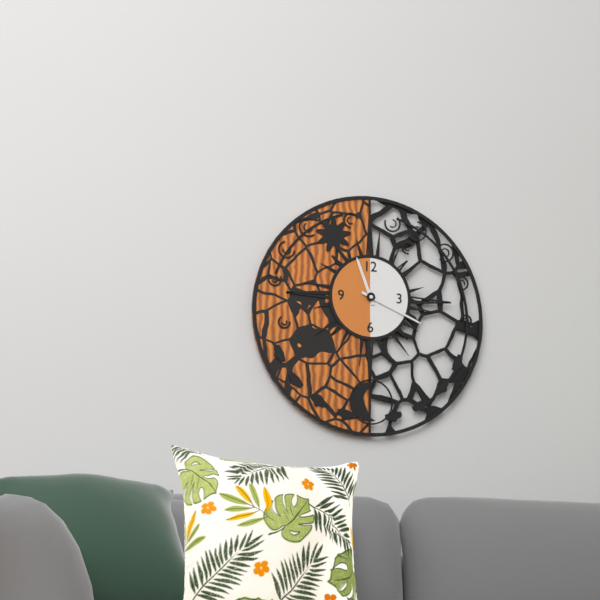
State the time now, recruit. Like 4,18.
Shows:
11,19
